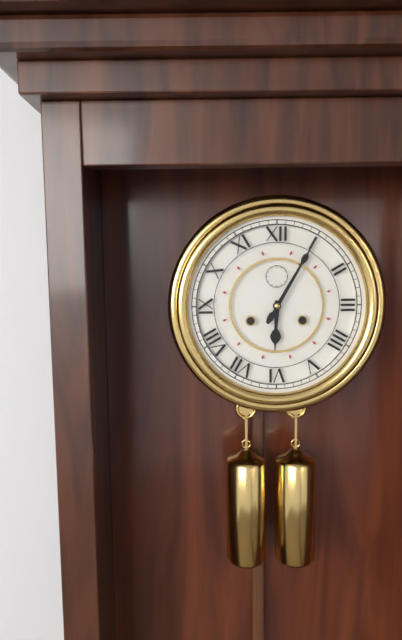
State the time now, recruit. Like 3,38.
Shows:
6,05
